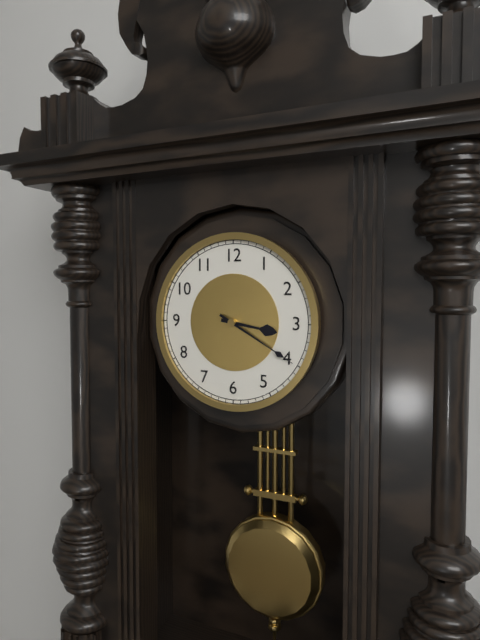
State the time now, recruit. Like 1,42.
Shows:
3,20
